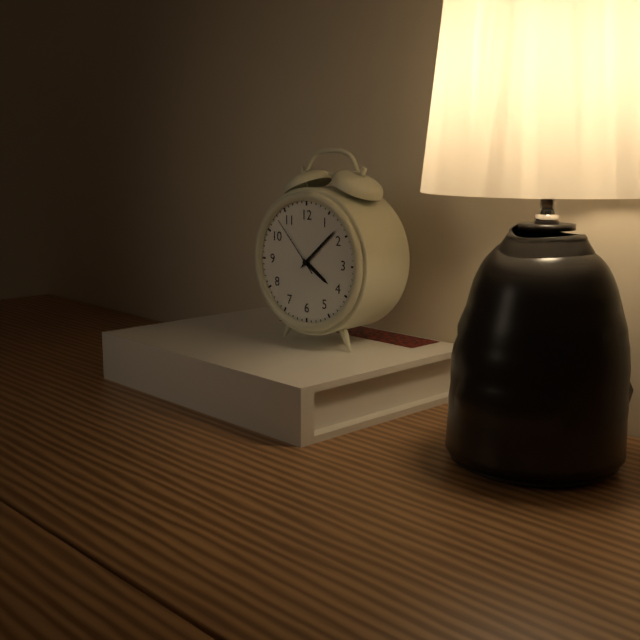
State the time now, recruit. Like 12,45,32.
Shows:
4,08,53
